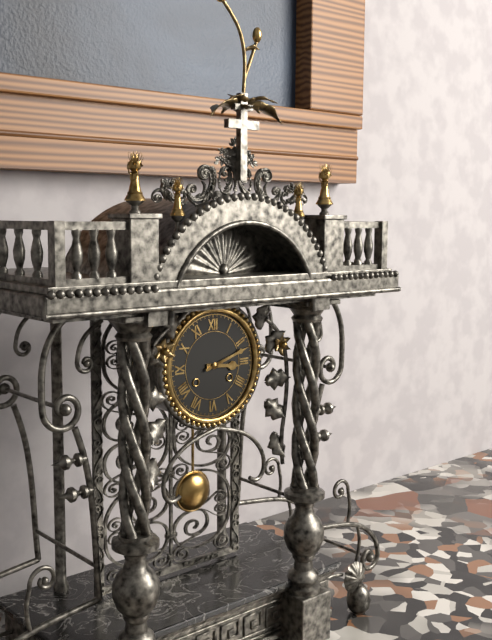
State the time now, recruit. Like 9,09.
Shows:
3,12
